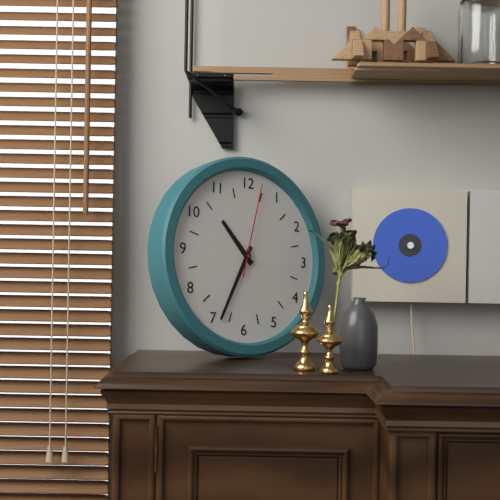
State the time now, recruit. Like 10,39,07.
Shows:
10,34,02
